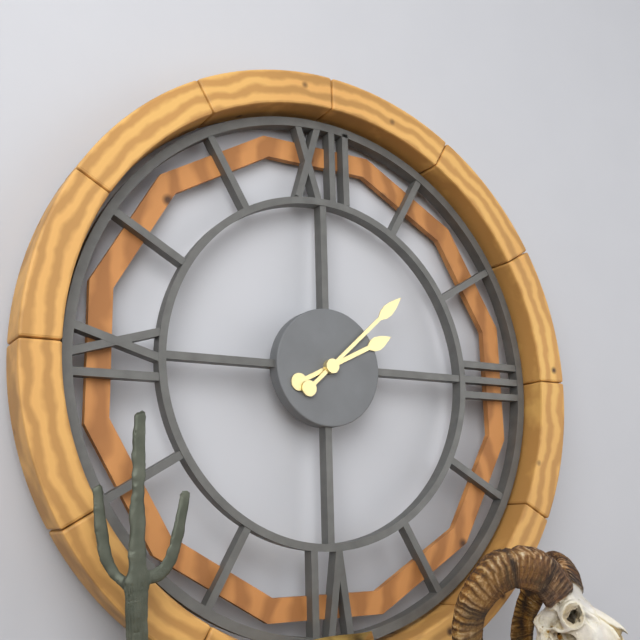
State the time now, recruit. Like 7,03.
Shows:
2,08
